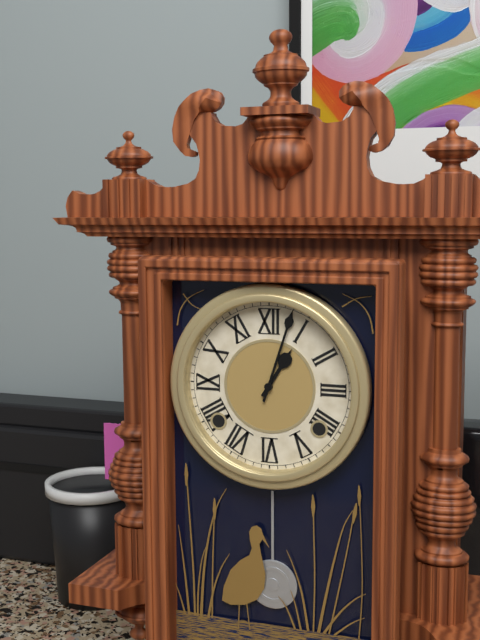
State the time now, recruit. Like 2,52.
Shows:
1,03
